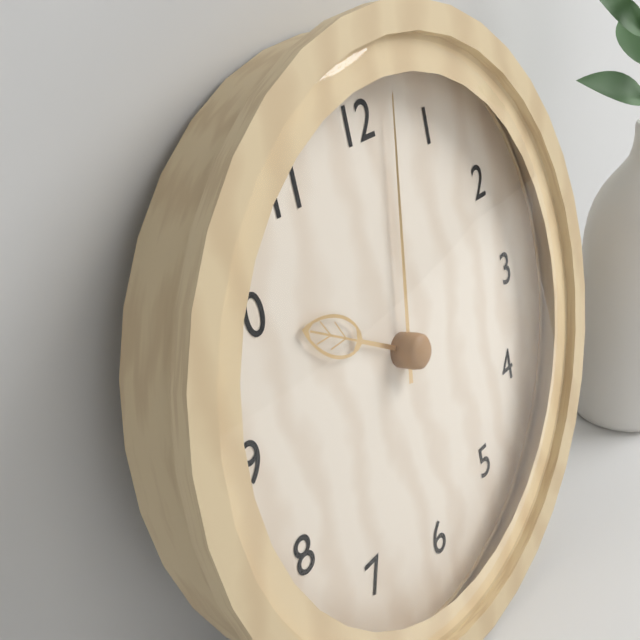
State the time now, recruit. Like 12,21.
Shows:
10,02
